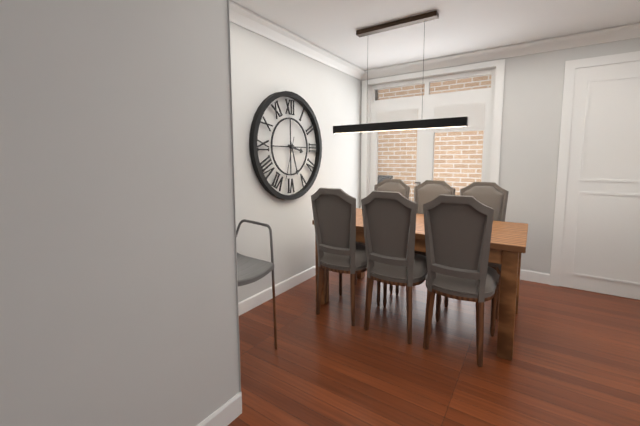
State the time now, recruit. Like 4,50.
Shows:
3,27
